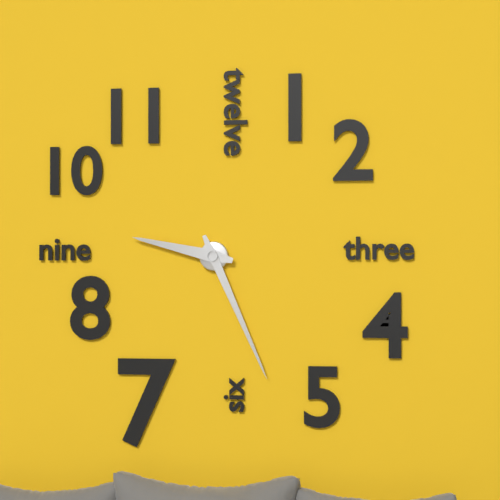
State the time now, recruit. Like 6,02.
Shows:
9,26
